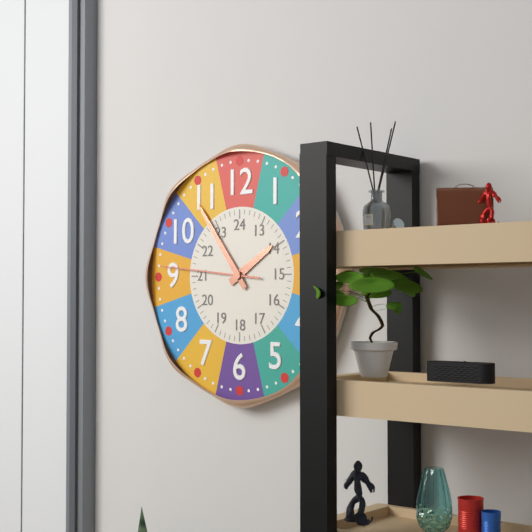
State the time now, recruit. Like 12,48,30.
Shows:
1,54,46
